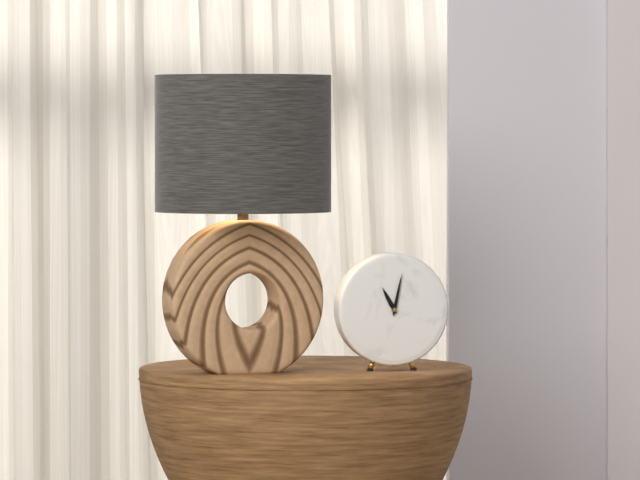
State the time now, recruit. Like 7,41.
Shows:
11,02
